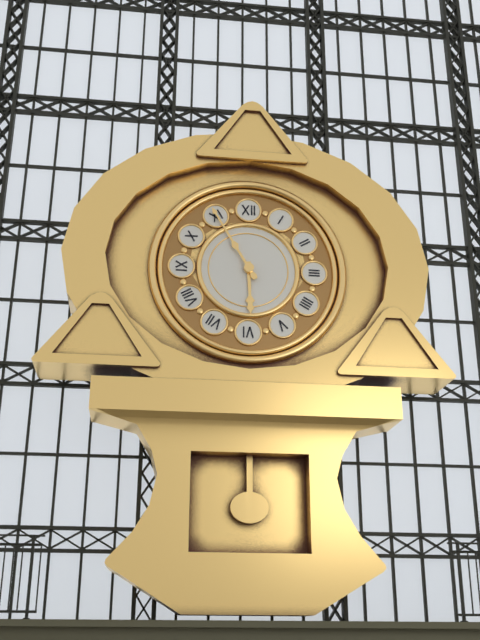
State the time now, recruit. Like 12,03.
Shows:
5,55
